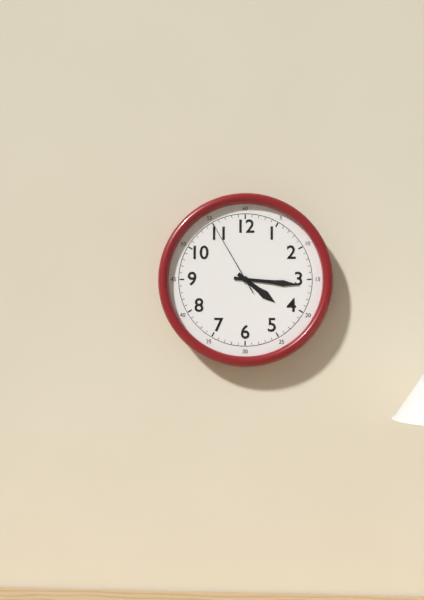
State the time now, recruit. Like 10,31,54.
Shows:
4,16,55
